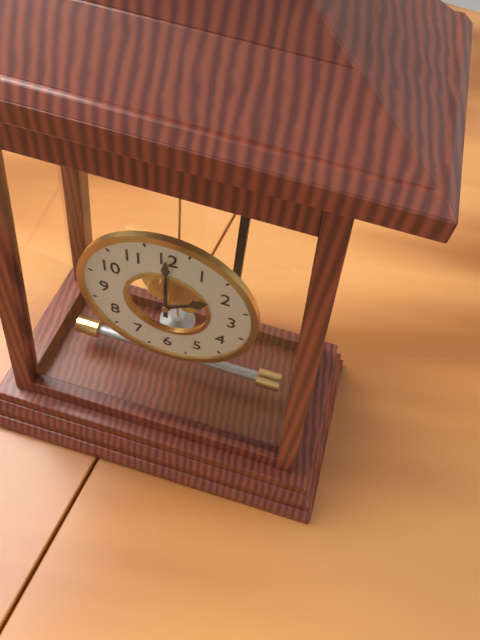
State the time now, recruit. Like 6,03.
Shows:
2,00
